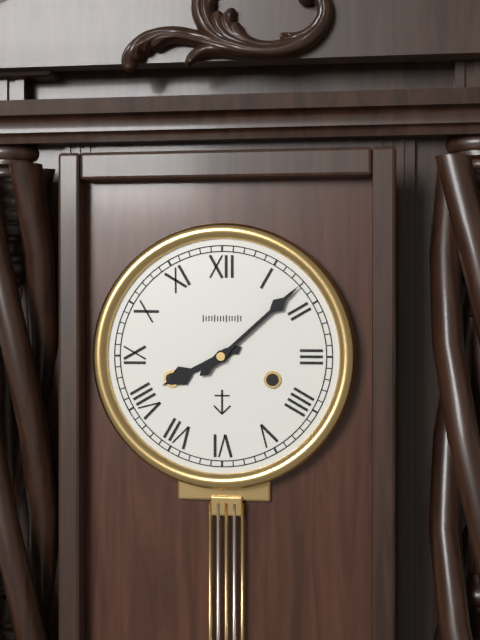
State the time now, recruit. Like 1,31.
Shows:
8,08
